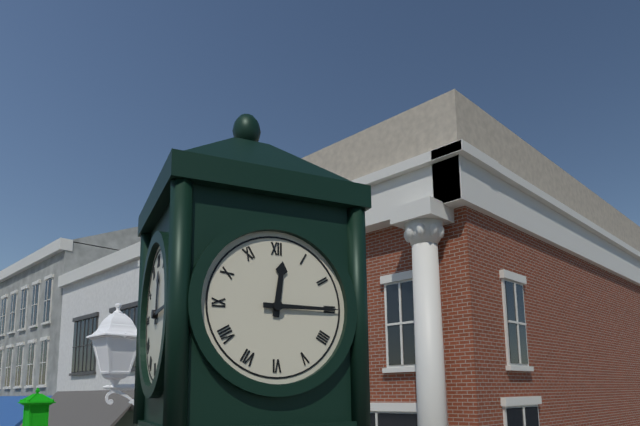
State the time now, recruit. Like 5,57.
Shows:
12,15
